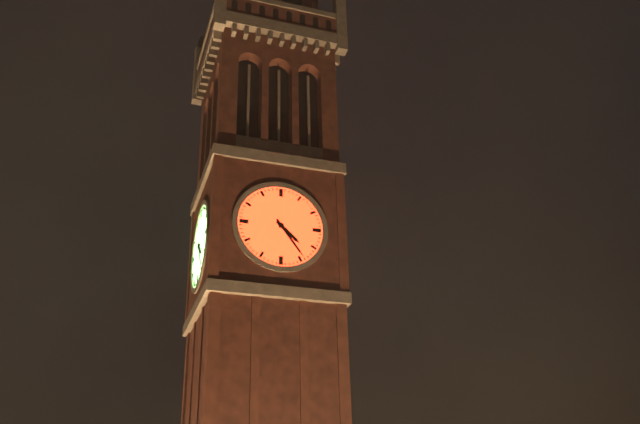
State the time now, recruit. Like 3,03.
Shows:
4,24
